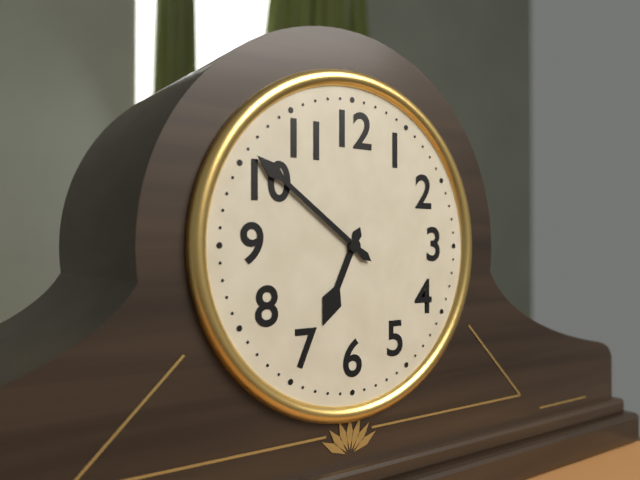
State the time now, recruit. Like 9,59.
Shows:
6,51
